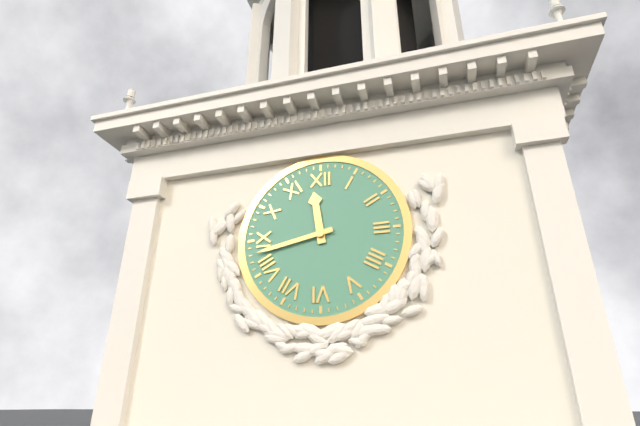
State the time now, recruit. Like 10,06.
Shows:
11,43
